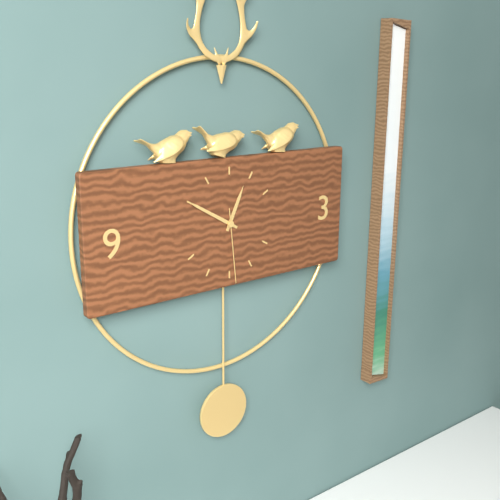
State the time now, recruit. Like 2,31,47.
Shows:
12,50,29
